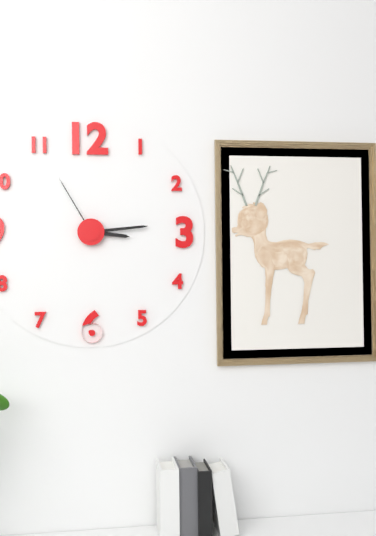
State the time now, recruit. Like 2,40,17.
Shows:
3,14,55
